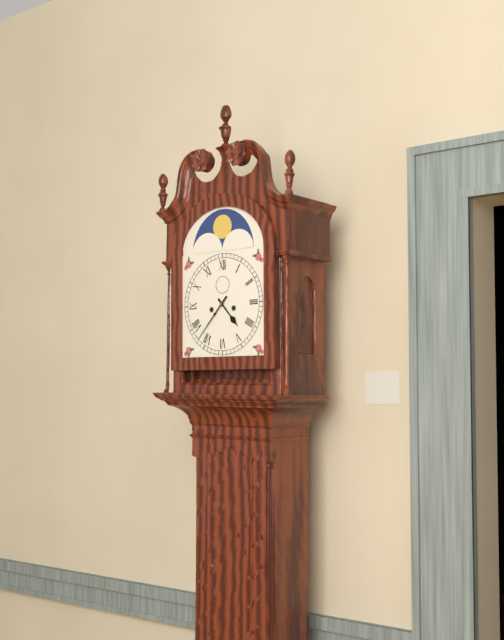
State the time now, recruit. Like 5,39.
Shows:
4,37
